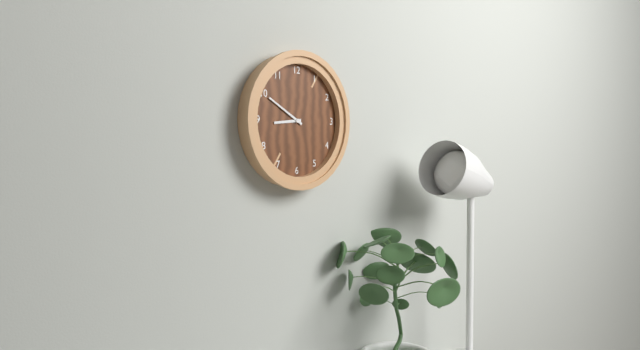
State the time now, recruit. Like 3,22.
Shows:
8,50
